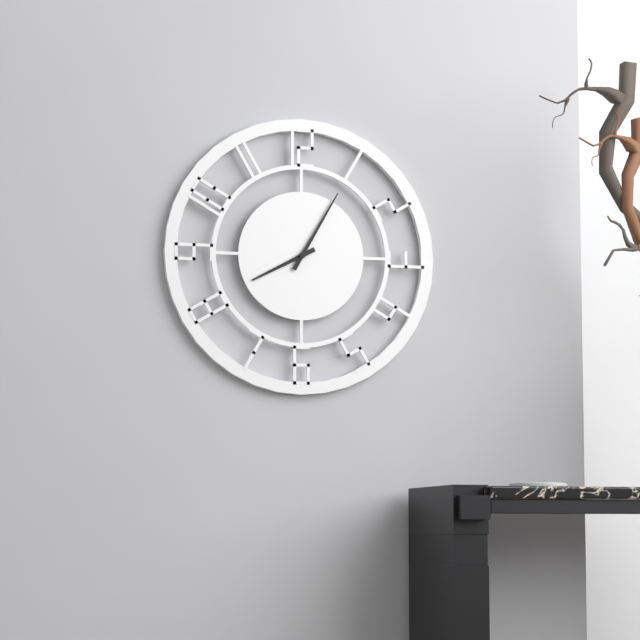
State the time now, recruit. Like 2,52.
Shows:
8,05
